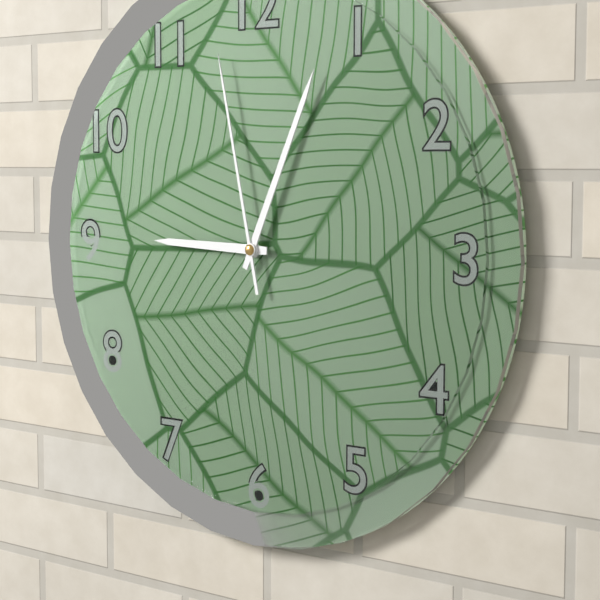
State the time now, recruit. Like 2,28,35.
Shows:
9,04,58
